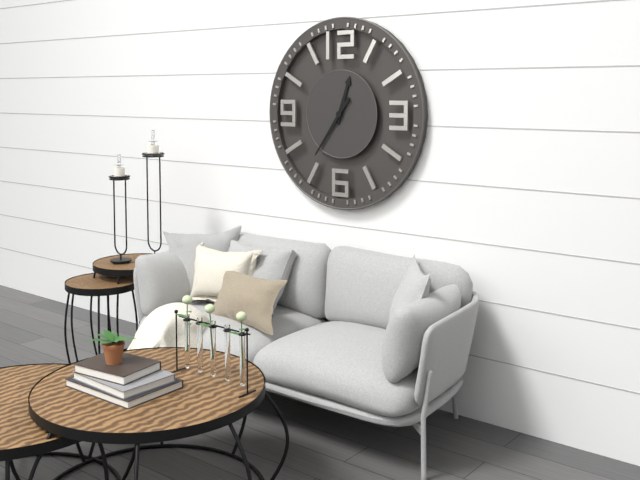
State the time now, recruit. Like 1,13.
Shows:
12,36
